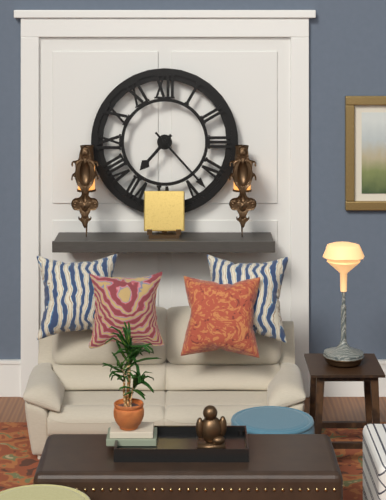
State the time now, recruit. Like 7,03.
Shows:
7,23
